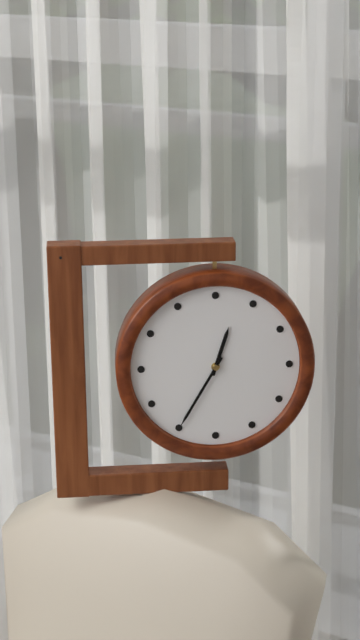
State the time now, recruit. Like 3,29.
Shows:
12,35
